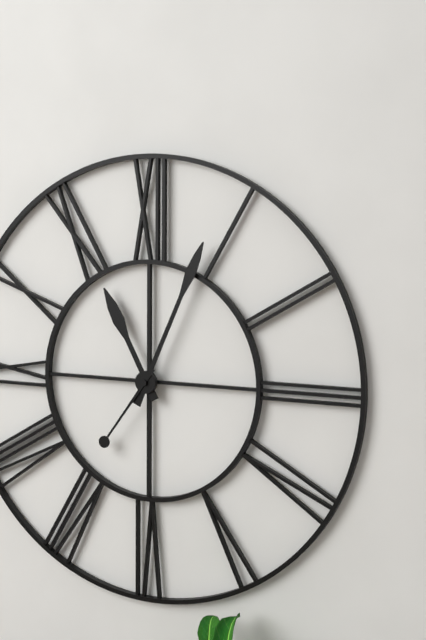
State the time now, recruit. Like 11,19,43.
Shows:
11,04,36
